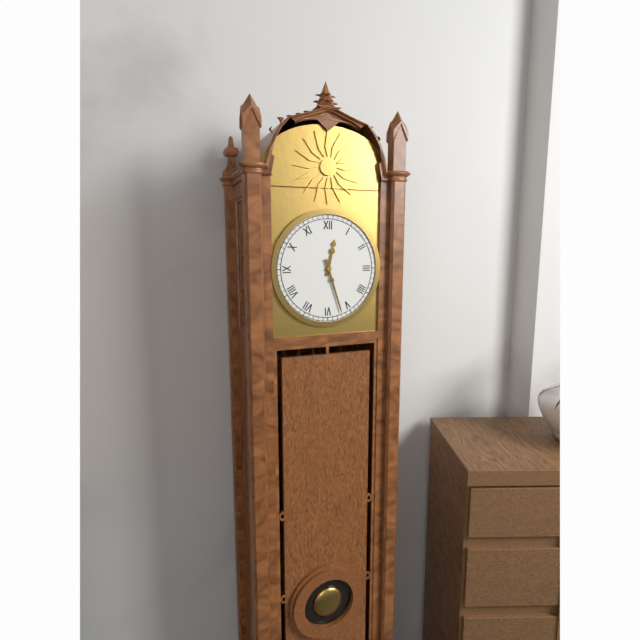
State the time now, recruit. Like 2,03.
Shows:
12,27
